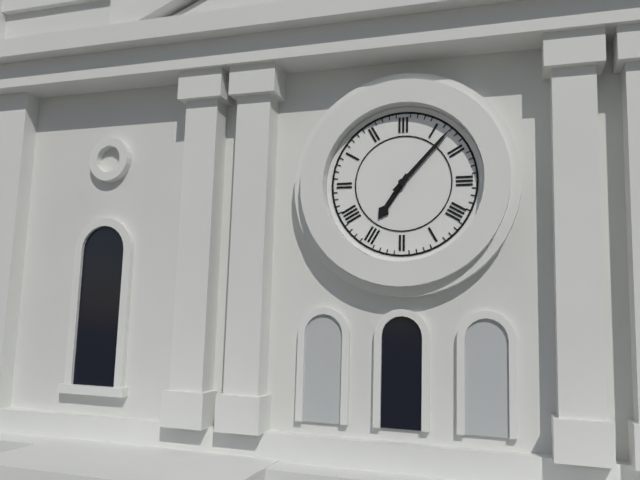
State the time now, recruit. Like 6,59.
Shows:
7,07
